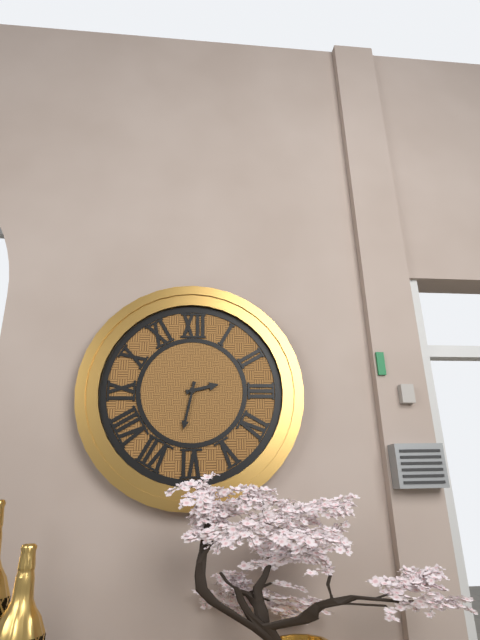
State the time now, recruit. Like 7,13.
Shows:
2,32
